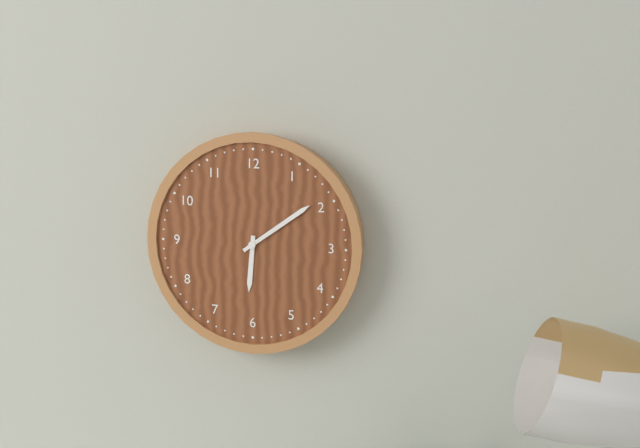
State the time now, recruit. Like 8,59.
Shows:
6,09
